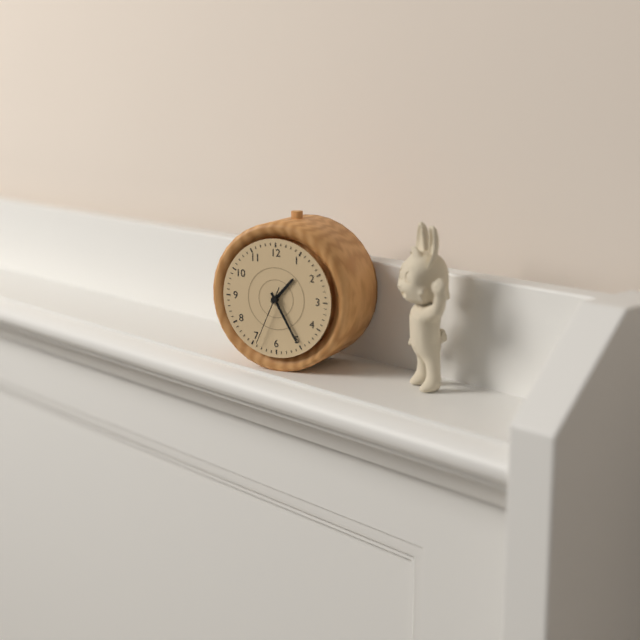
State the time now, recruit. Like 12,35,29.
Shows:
1,25,34
